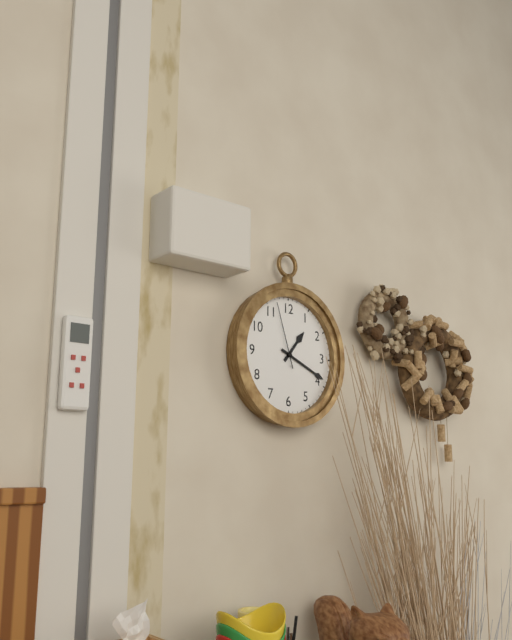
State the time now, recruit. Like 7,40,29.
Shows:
1,19,57
